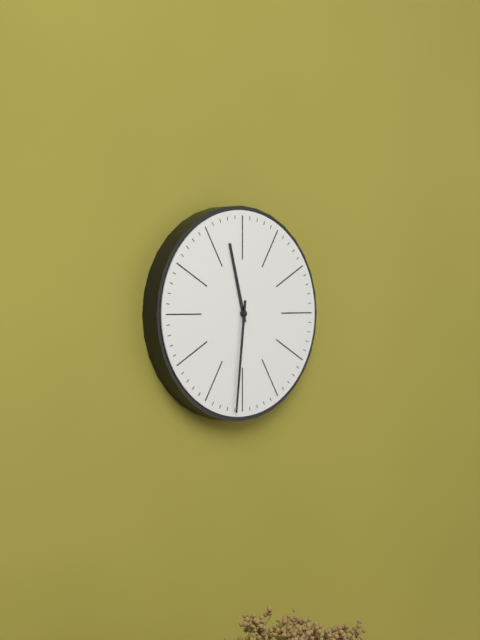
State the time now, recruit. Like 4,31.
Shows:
11,31
